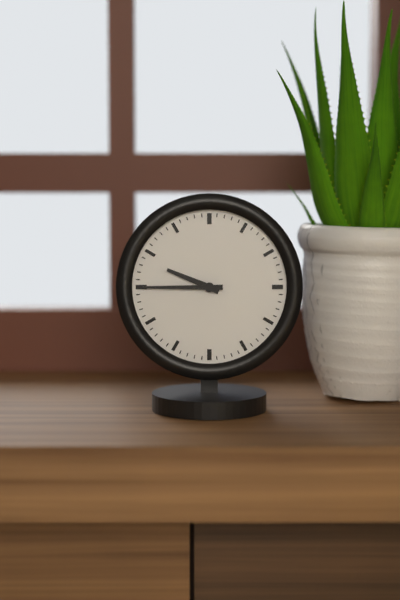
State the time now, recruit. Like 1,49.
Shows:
9,45
